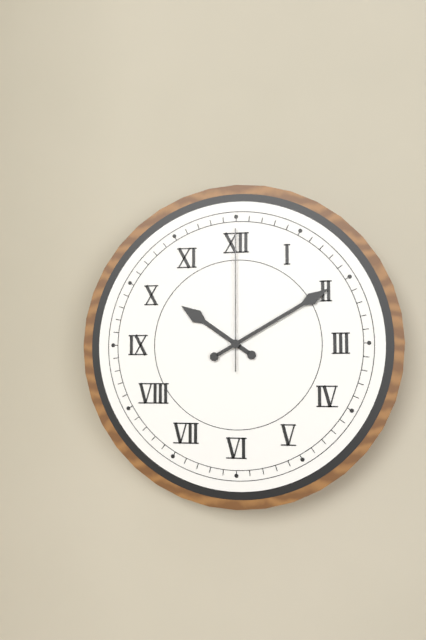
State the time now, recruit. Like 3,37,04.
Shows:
10,10,00
